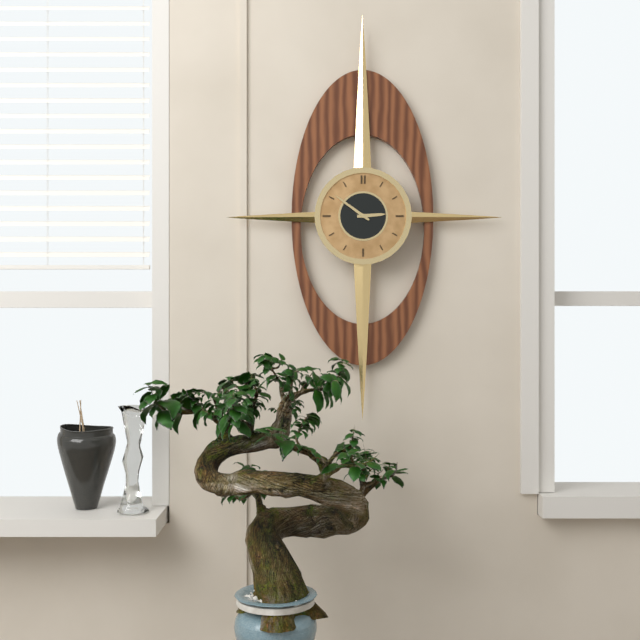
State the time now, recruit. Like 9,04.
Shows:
2,51
